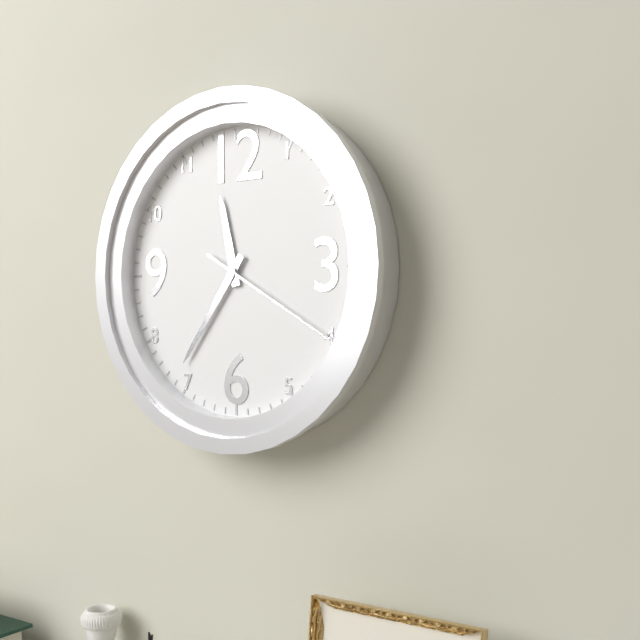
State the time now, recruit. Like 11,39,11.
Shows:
11,36,20
